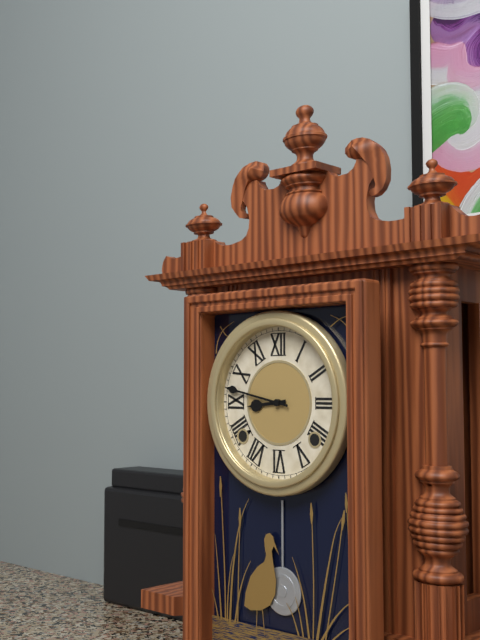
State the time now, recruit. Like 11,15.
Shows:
8,47
